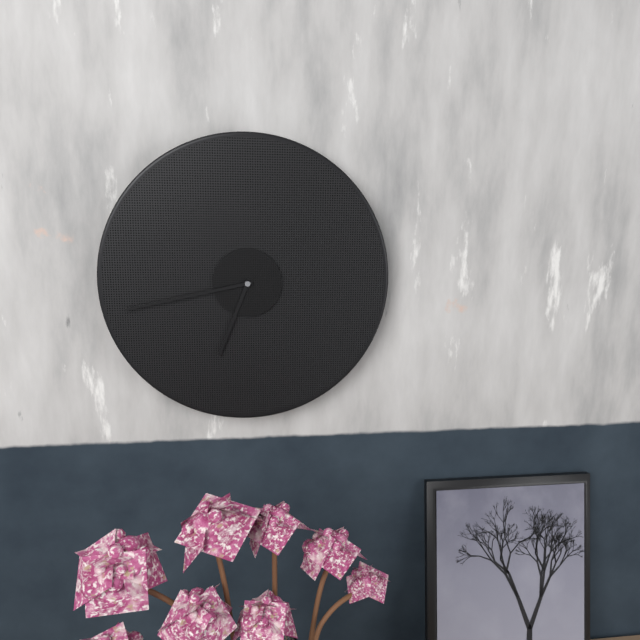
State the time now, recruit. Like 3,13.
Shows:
6,43
